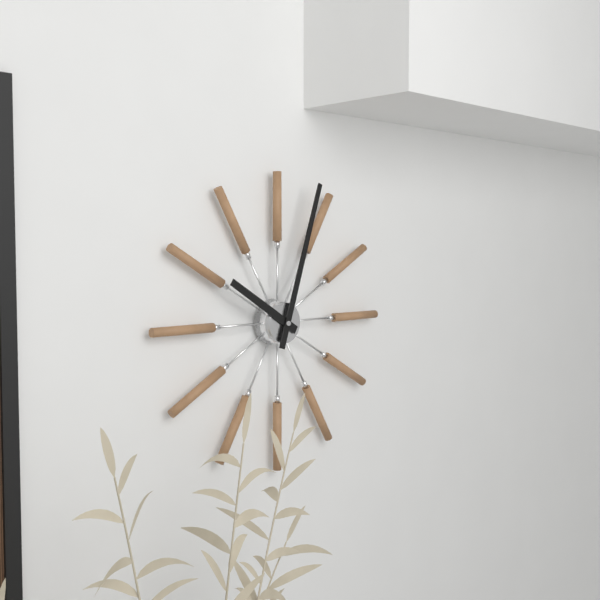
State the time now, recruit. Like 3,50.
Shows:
10,03
